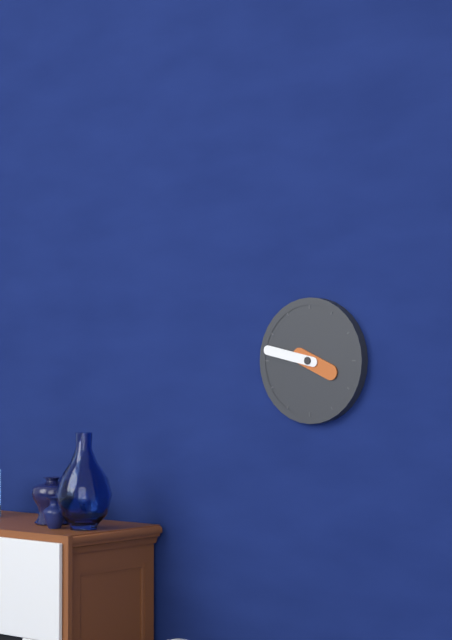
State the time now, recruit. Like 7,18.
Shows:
3,47
